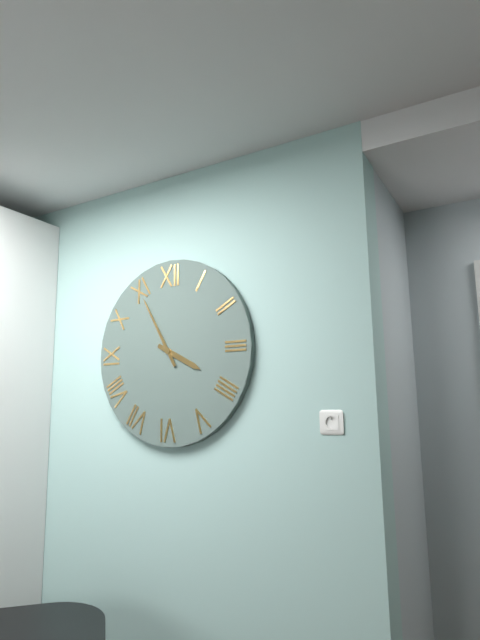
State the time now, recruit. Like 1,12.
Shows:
3,55
